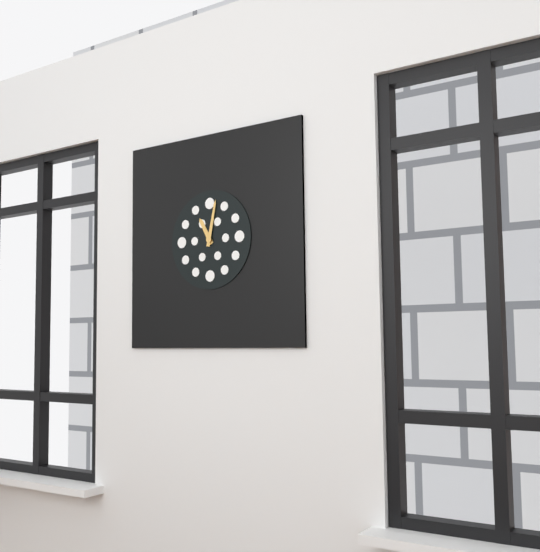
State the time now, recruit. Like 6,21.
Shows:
11,02
